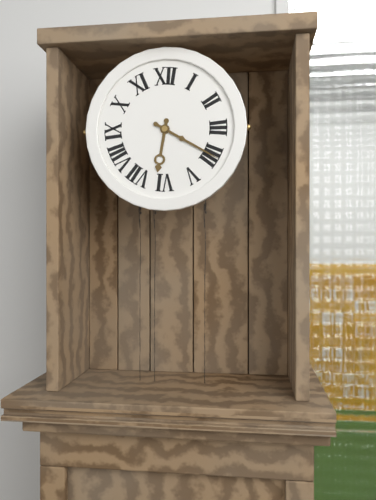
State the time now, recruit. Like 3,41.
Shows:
6,20
